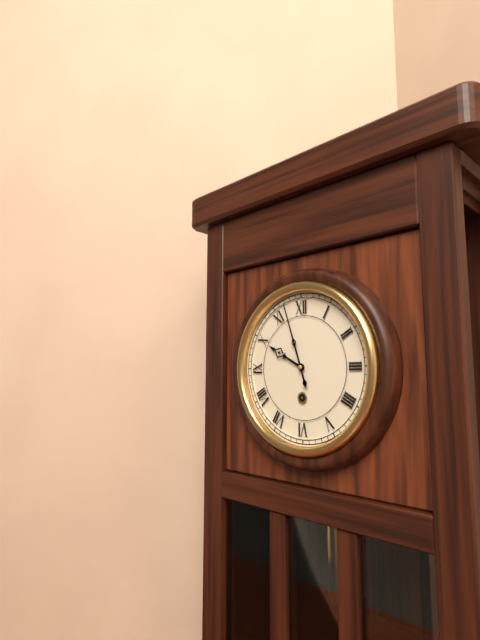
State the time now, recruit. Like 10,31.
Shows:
9,57
